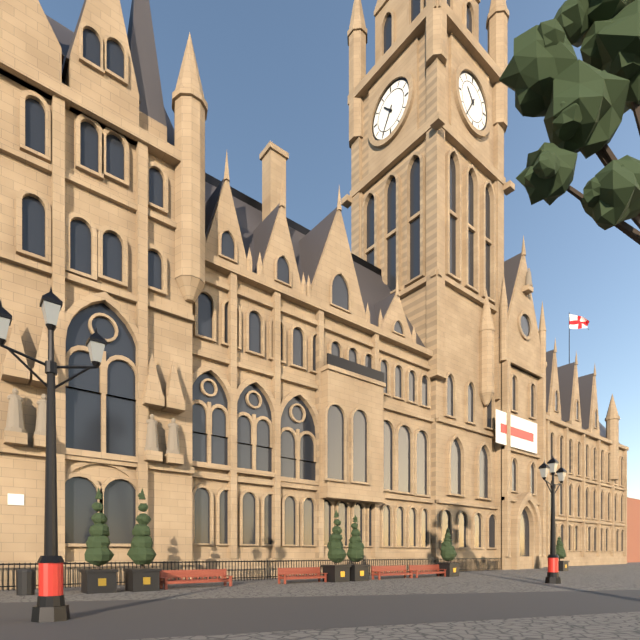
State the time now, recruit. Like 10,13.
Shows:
10,35
